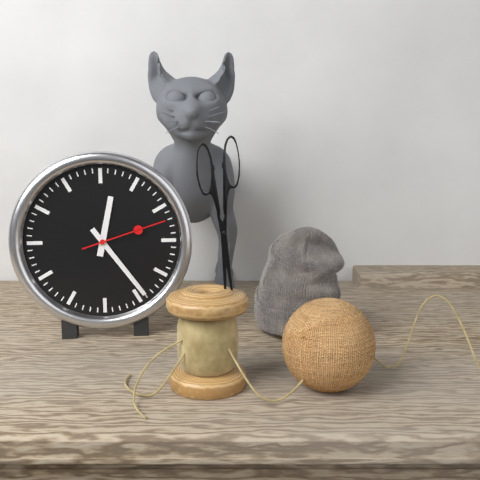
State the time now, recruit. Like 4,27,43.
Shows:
12,24,12
